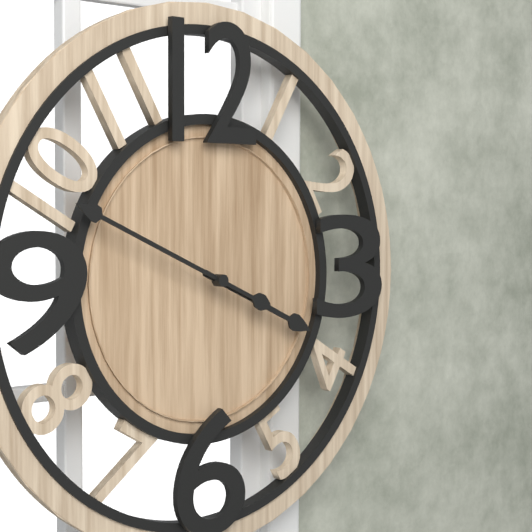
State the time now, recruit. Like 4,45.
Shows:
3,49
